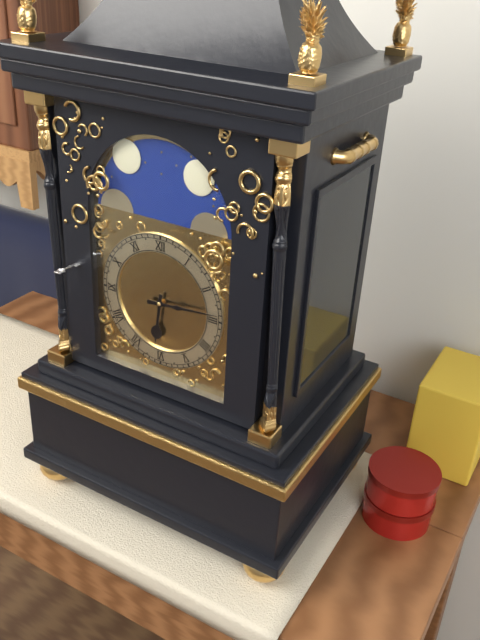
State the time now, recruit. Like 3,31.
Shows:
6,14
